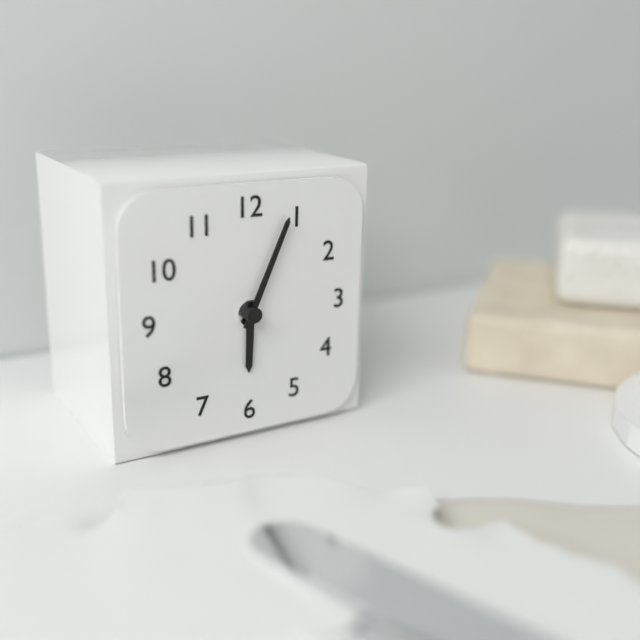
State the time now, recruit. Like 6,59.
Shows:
6,04
